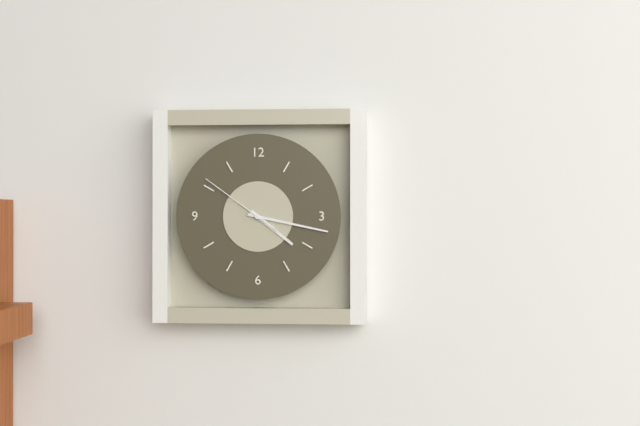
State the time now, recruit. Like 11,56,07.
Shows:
4,17,51
